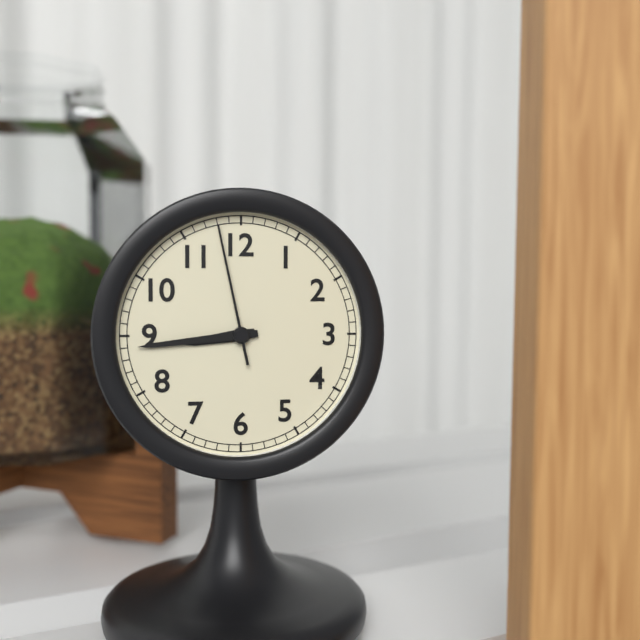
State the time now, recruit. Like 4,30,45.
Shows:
8,44,58
